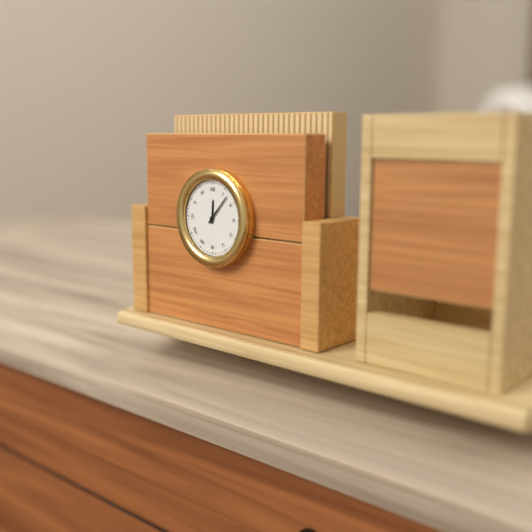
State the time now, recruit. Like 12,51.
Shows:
12,07
